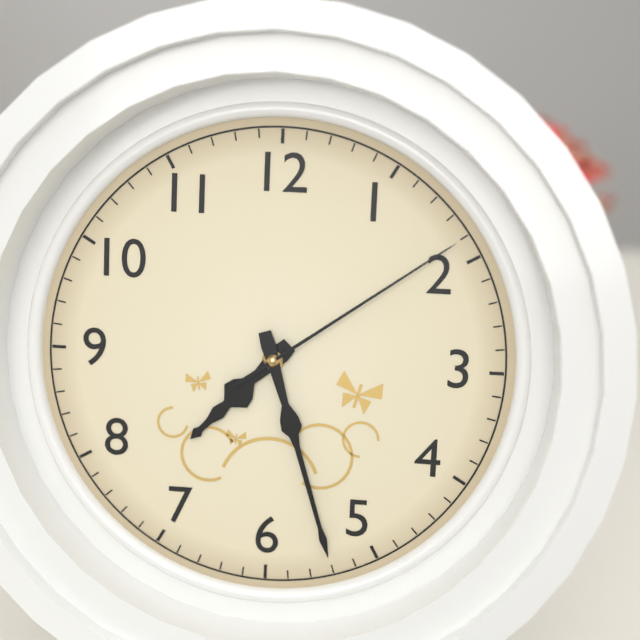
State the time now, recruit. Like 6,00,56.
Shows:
7,27,09
